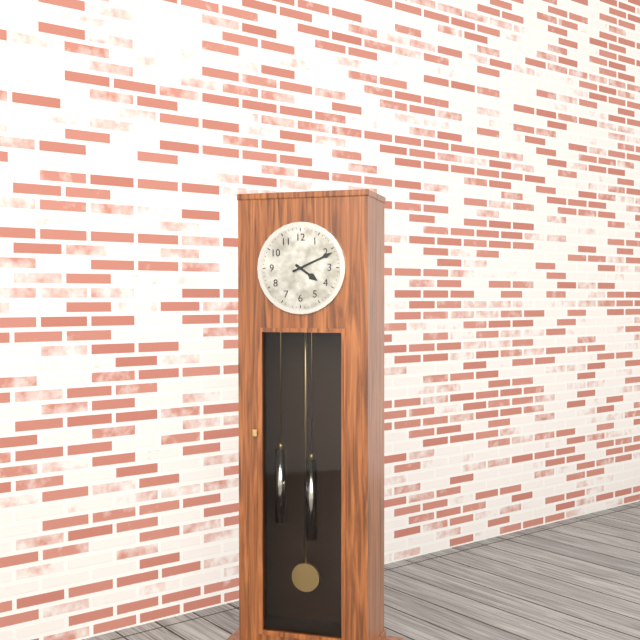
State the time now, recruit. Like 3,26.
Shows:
4,11
